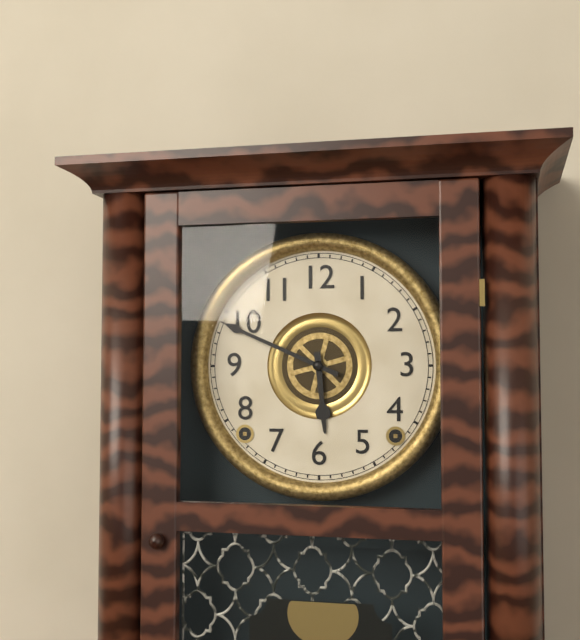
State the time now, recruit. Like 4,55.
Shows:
5,49
